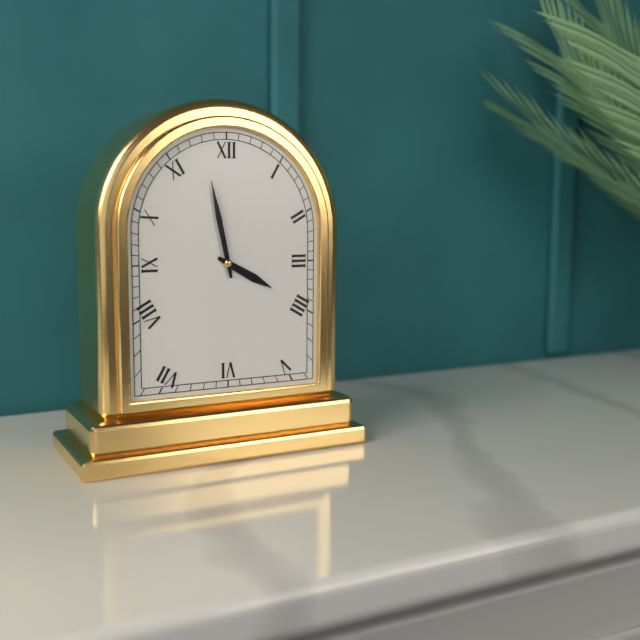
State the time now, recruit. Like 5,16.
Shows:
3,58
